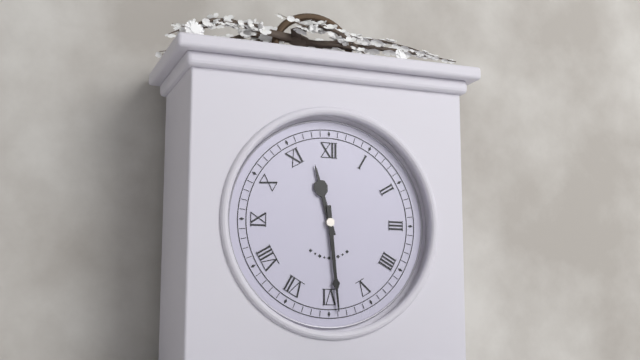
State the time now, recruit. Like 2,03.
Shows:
11,29
